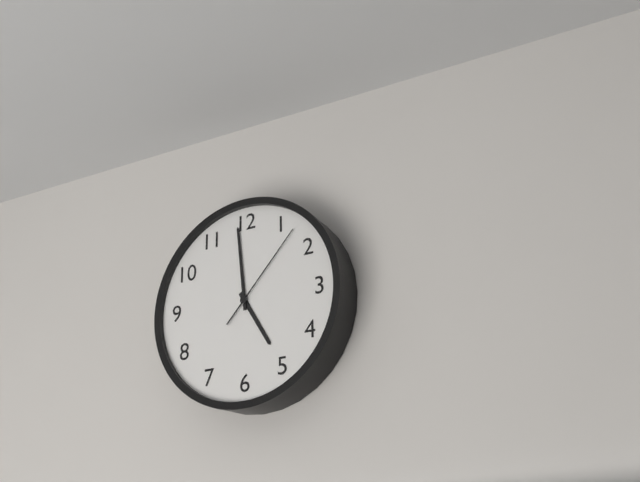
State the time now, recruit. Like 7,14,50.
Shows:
4,59,07
